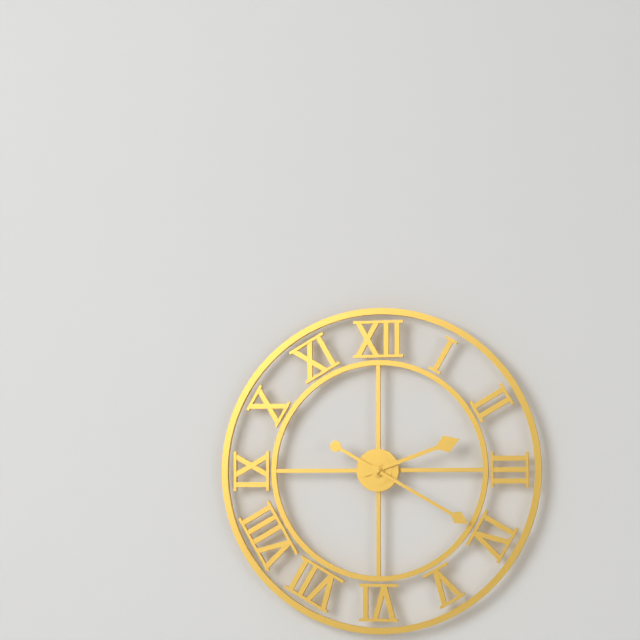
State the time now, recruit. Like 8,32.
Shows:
2,20
